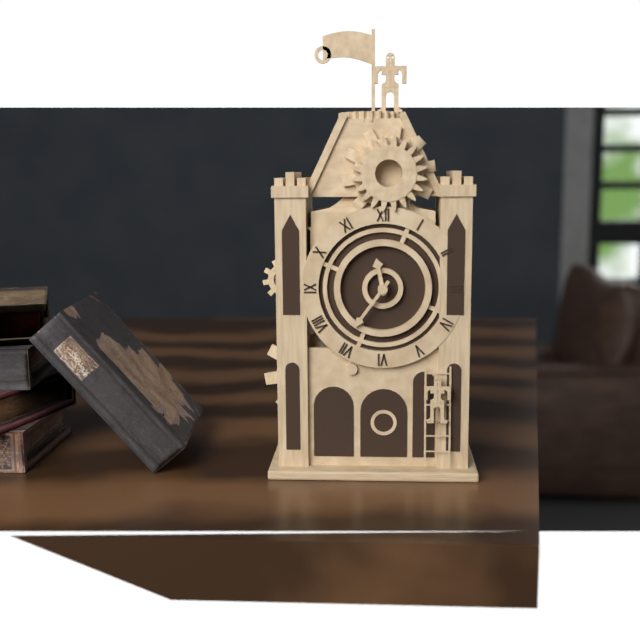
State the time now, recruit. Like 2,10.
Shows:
11,36
